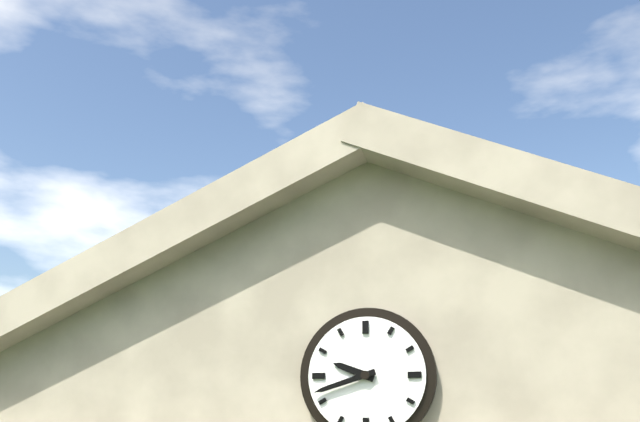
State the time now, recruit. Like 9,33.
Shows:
9,42
